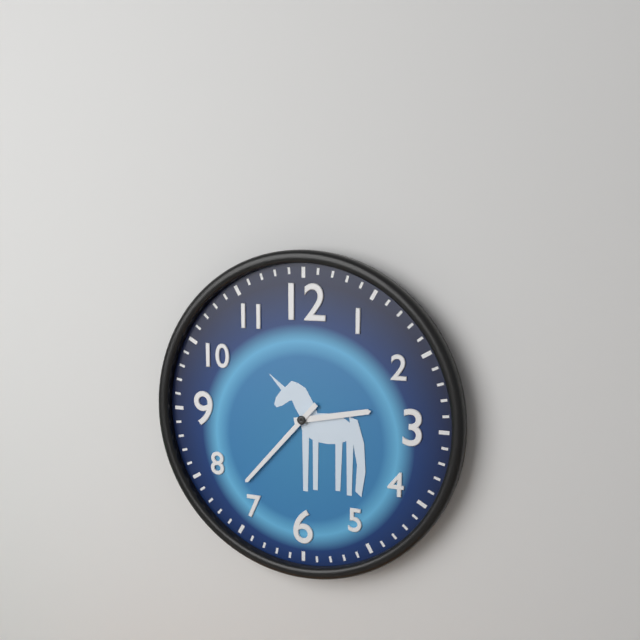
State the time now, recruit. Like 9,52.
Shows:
2,37
